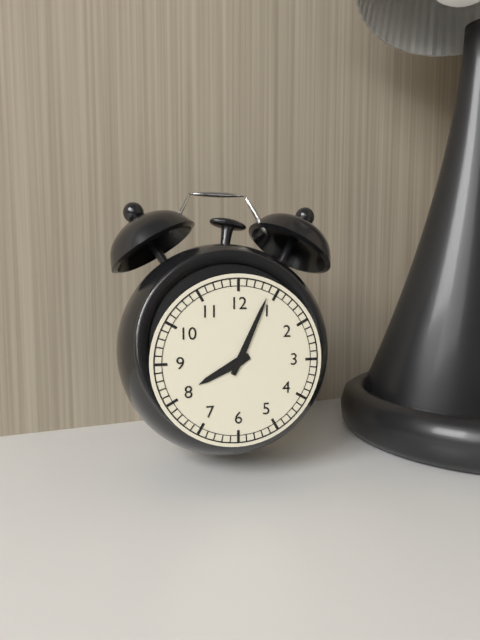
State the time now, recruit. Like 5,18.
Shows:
8,04
